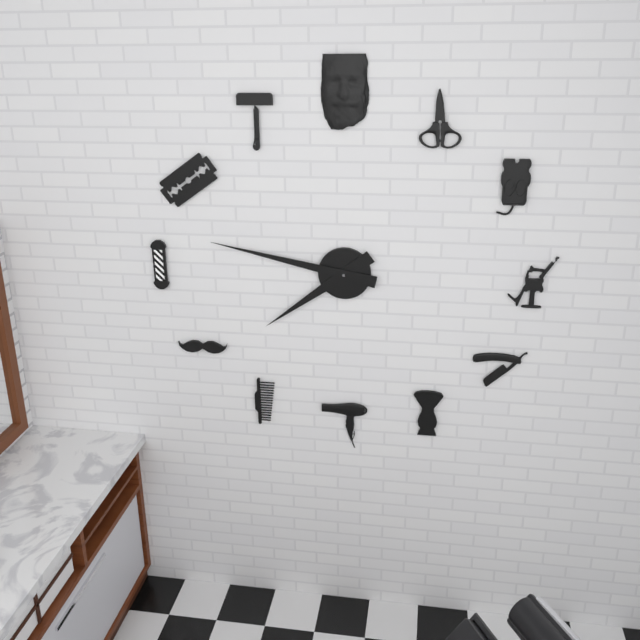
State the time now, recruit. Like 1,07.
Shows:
7,47
